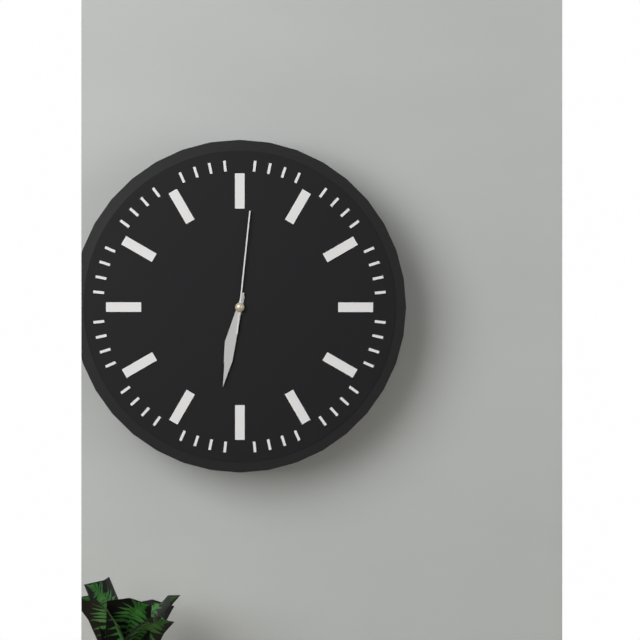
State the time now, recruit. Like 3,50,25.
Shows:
6,32,01
